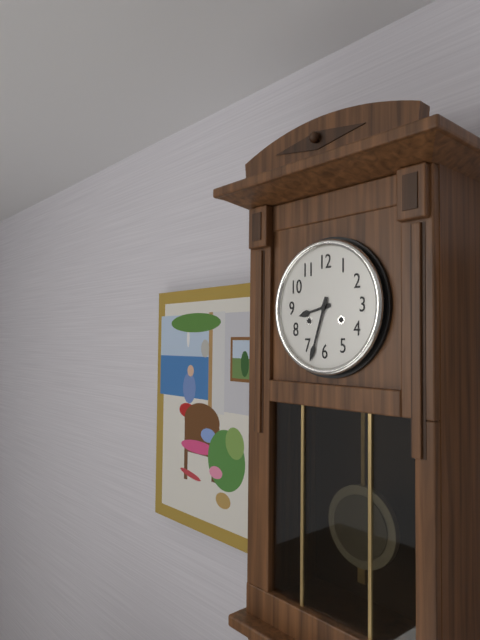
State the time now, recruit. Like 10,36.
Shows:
8,33
